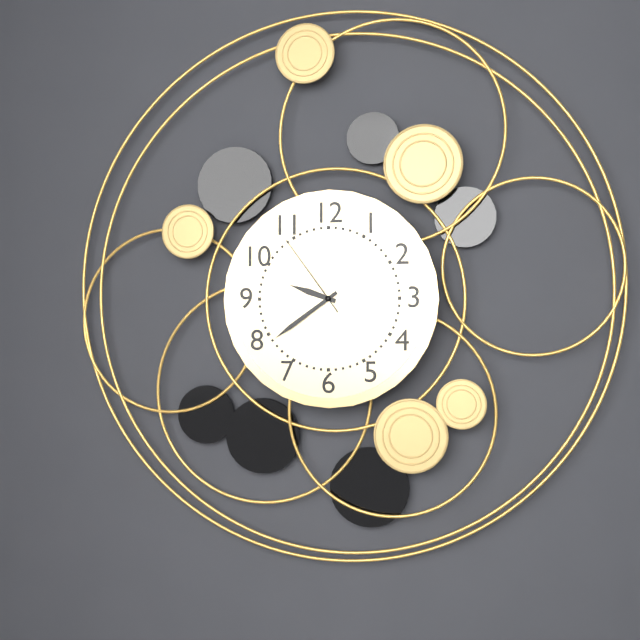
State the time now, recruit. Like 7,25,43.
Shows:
9,39,54
